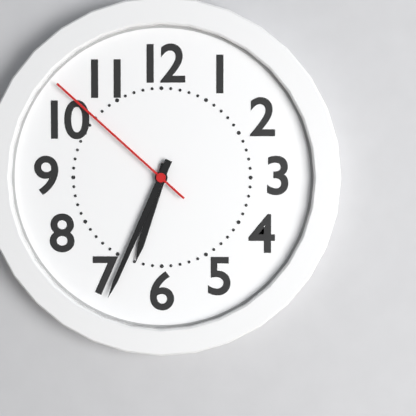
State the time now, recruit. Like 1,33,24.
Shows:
6,34,52
